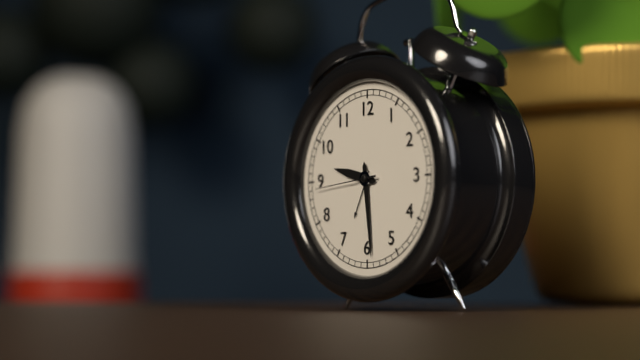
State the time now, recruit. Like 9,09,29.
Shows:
9,29,44
